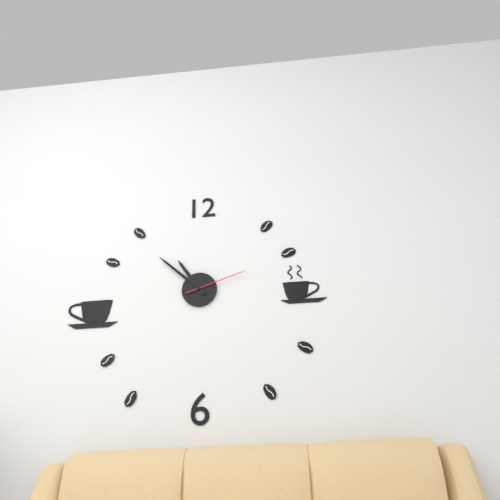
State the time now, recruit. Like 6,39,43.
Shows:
10,52,12
